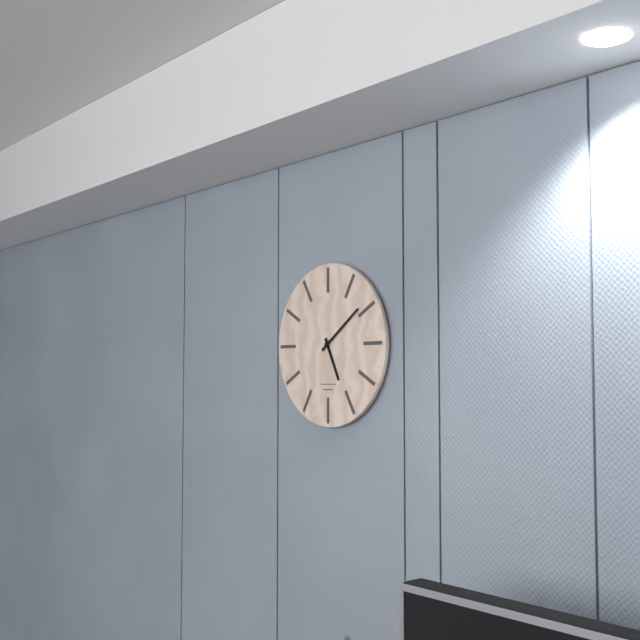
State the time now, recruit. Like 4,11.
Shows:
5,09
